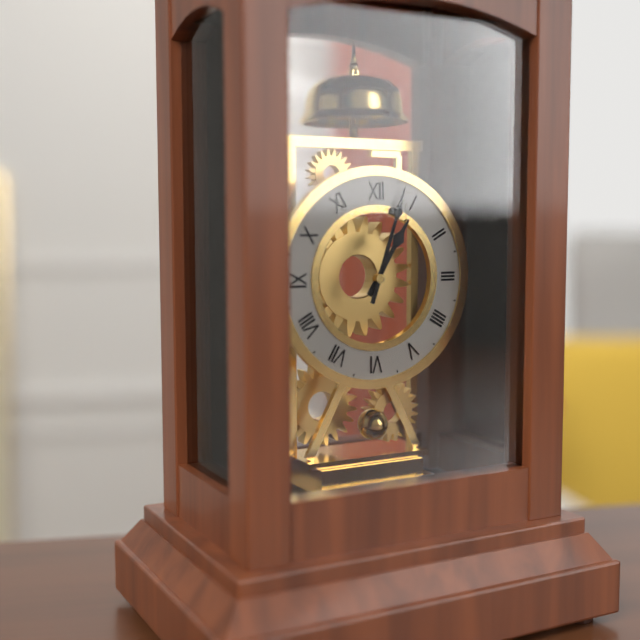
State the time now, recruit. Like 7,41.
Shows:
1,03
